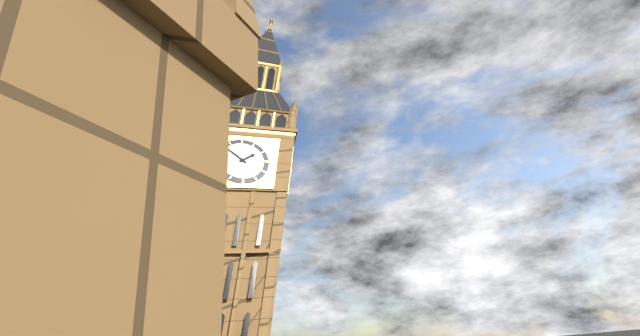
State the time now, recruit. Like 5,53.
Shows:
1,52
